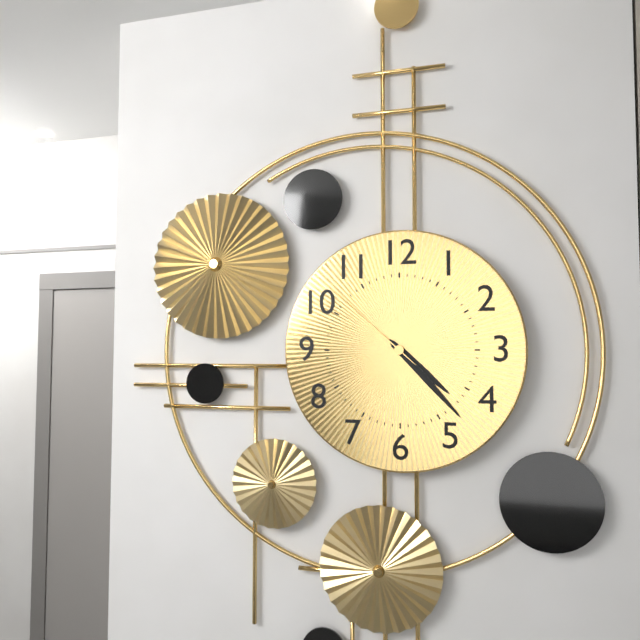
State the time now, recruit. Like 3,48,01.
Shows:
4,23,52
